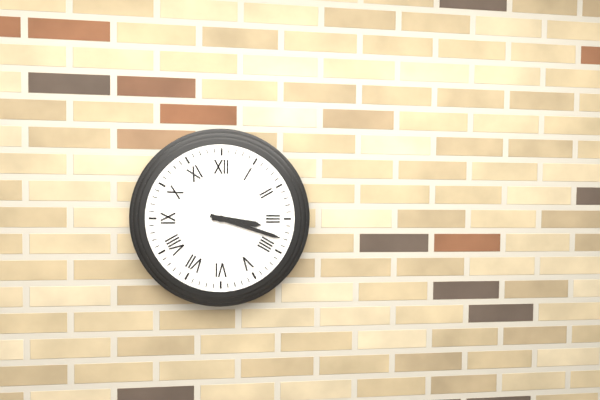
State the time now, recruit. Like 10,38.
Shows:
3,18
